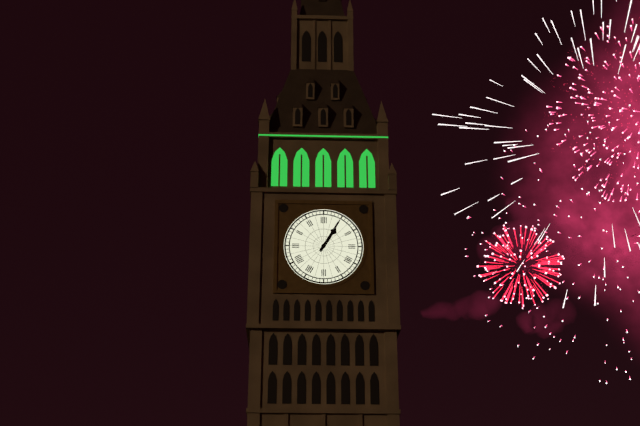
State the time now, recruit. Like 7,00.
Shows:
1,05
